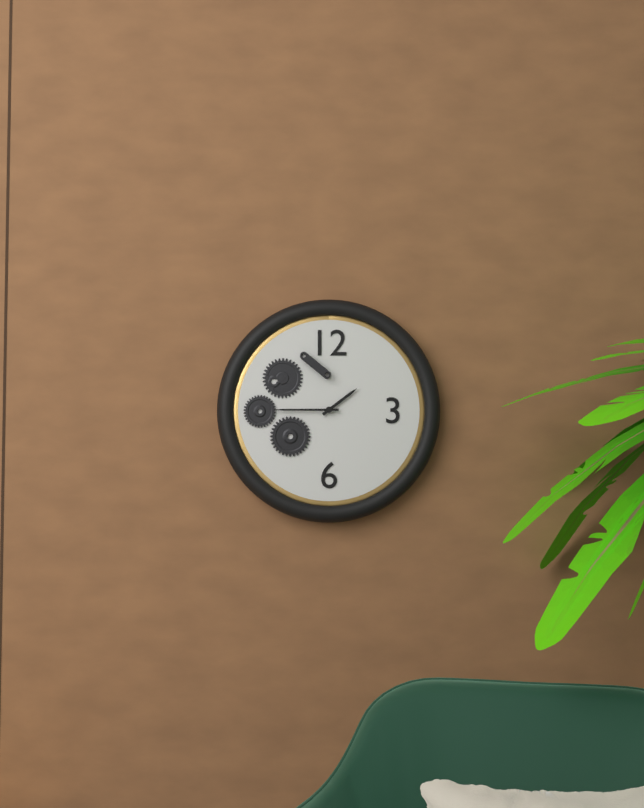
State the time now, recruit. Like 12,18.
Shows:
1,45
